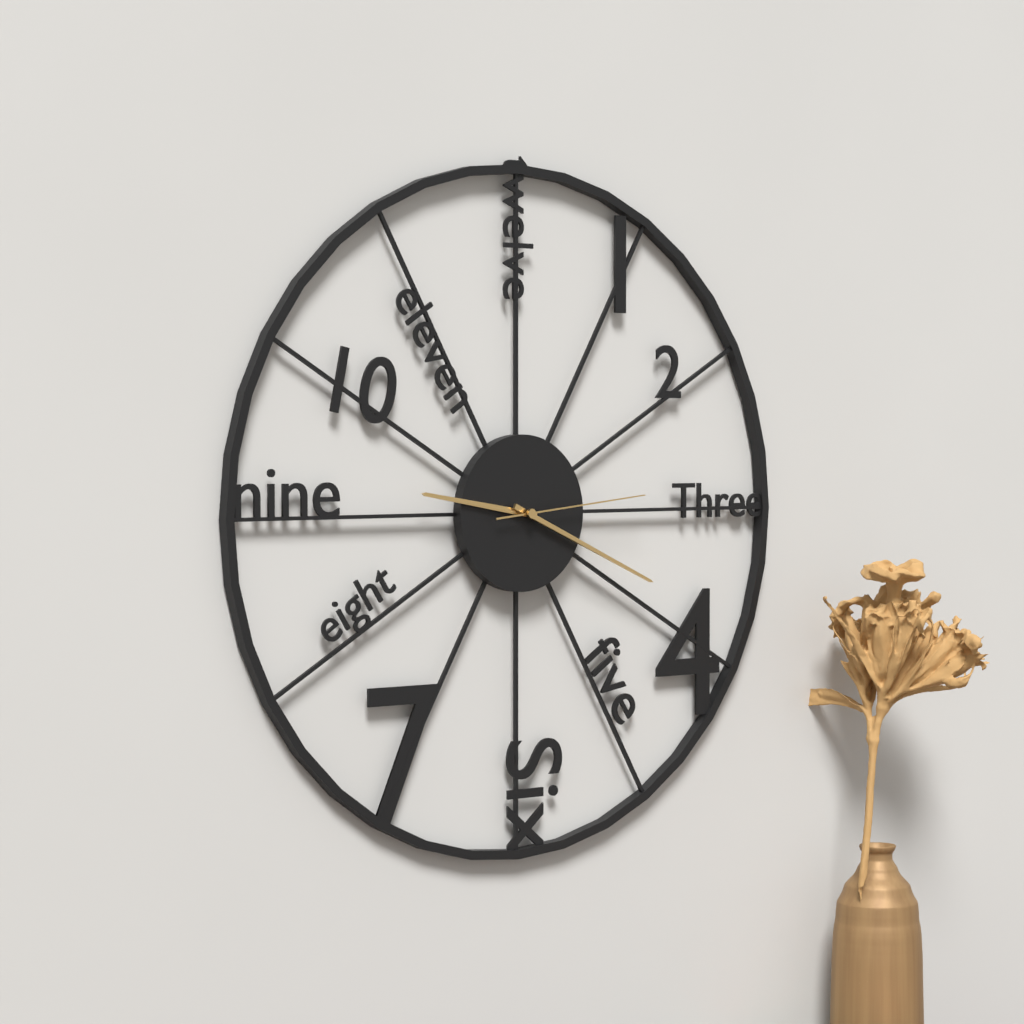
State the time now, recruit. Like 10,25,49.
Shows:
9,19,14
